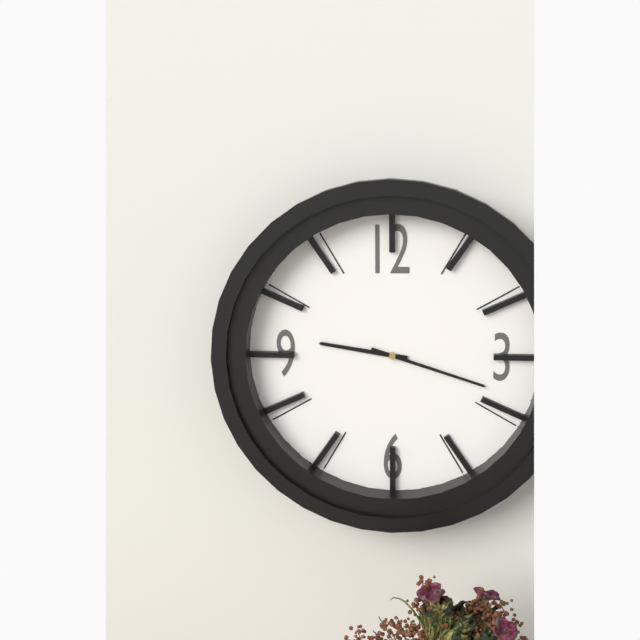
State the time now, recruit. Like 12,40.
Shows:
9,18
